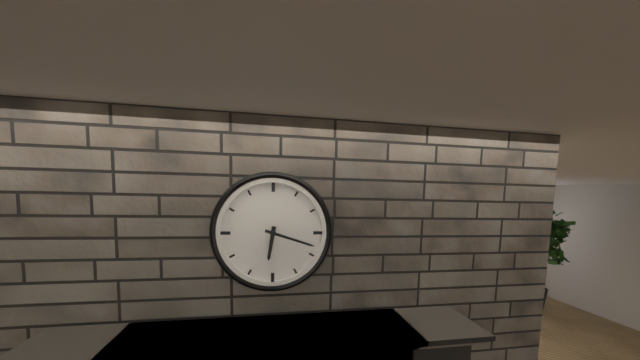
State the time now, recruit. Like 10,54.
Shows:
6,18
